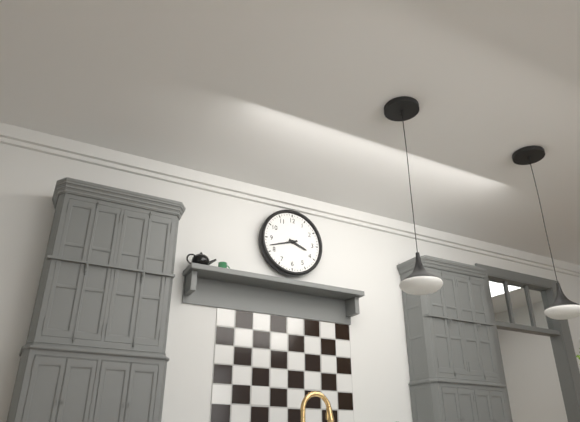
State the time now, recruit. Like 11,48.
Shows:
3,42
